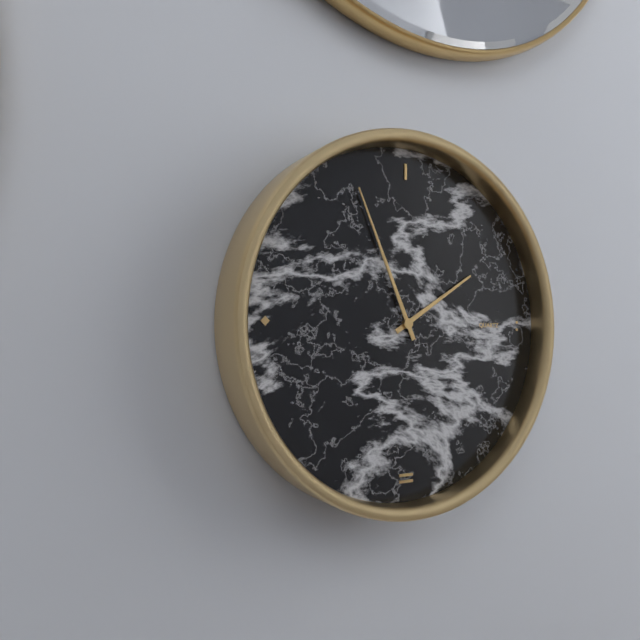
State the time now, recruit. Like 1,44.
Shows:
1,56
